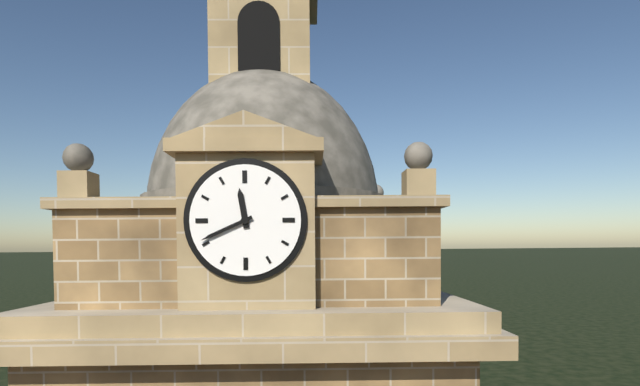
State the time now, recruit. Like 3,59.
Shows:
11,41
